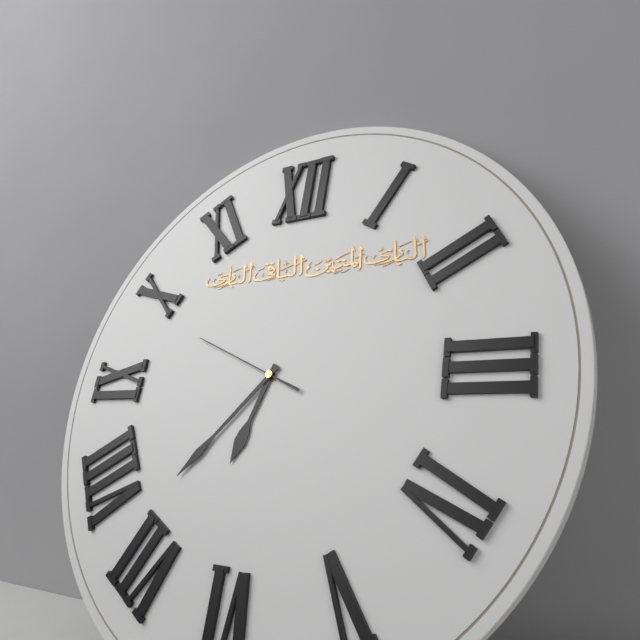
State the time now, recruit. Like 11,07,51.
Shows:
6,37,49
